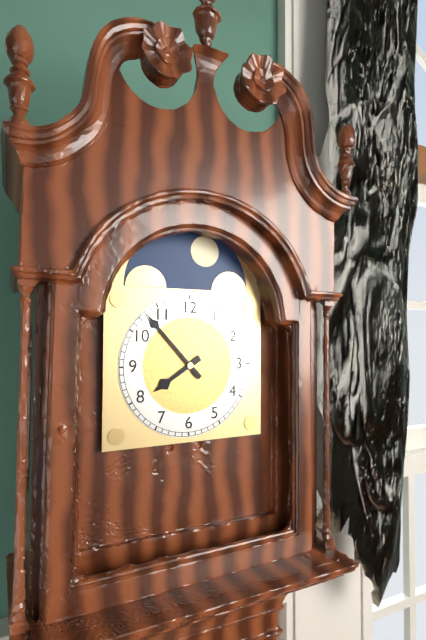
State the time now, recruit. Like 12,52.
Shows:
7,53
